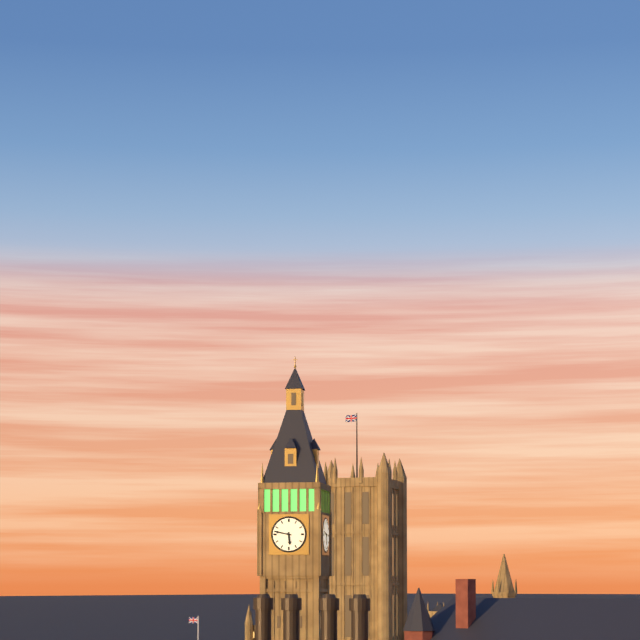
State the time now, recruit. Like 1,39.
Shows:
5,47
